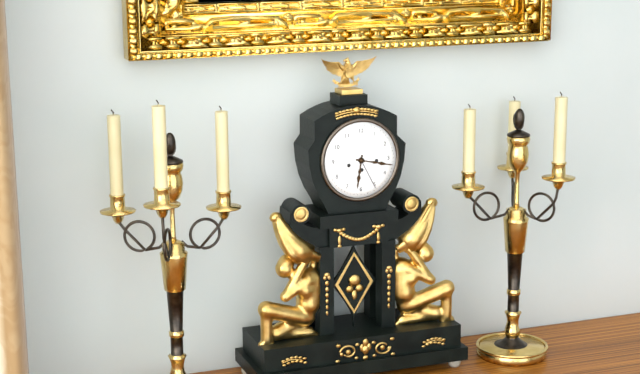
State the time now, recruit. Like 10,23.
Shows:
6,17
